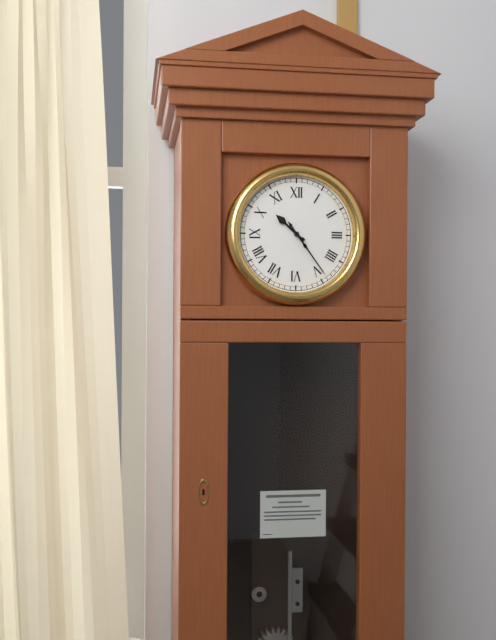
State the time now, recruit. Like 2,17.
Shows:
10,24
